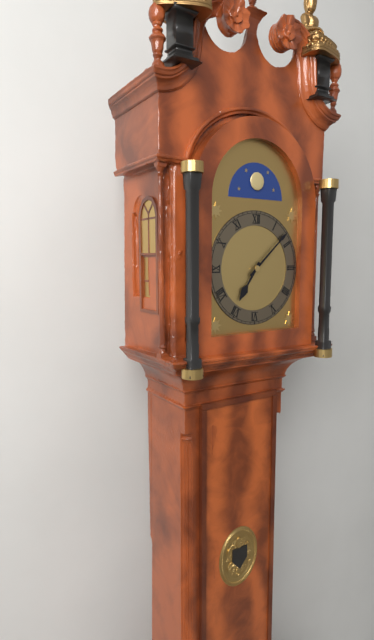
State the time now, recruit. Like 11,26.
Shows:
7,08
